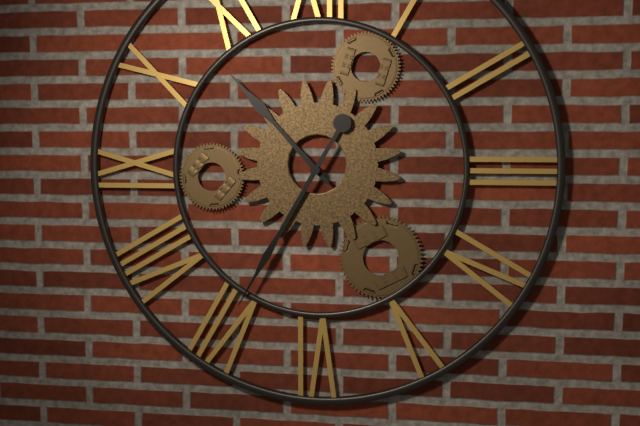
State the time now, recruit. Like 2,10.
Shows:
10,35
